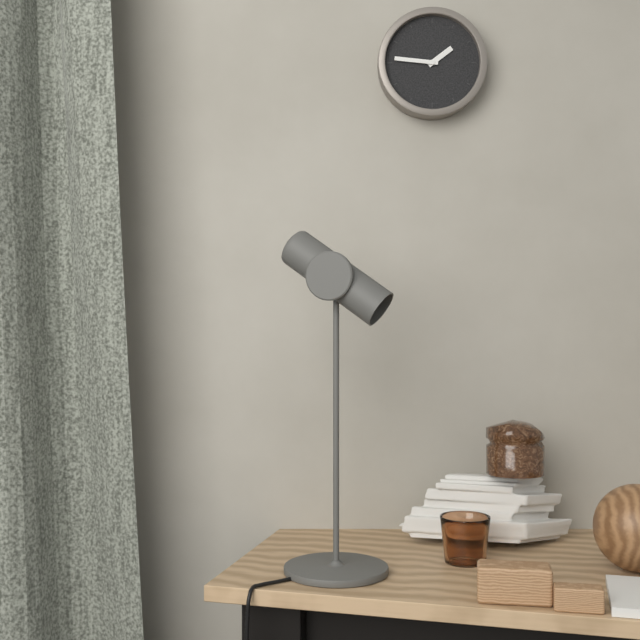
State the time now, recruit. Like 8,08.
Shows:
1,46
